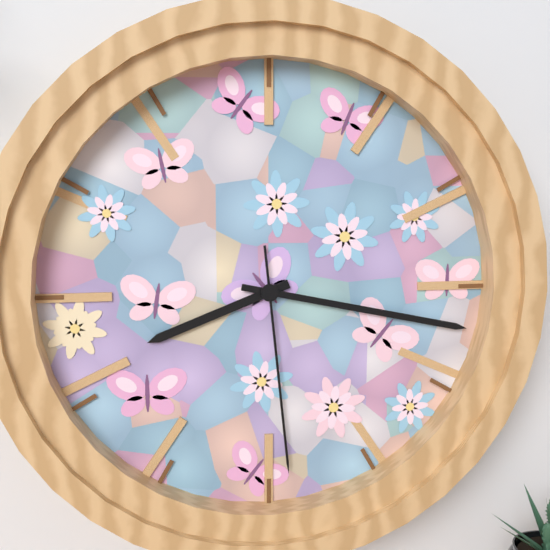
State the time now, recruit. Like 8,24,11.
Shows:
8,17,29
